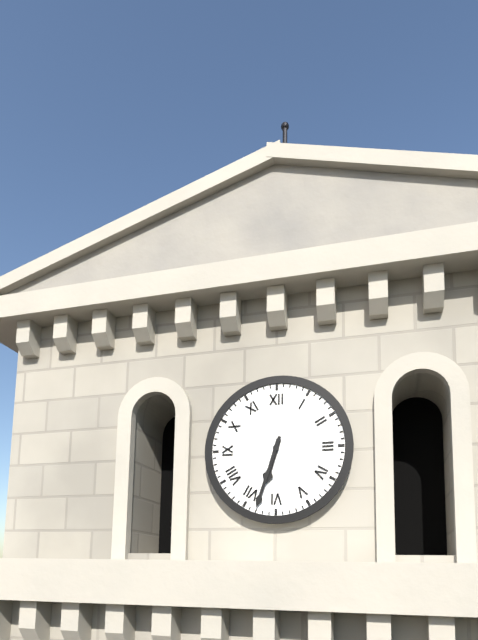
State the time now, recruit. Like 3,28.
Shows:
6,33
